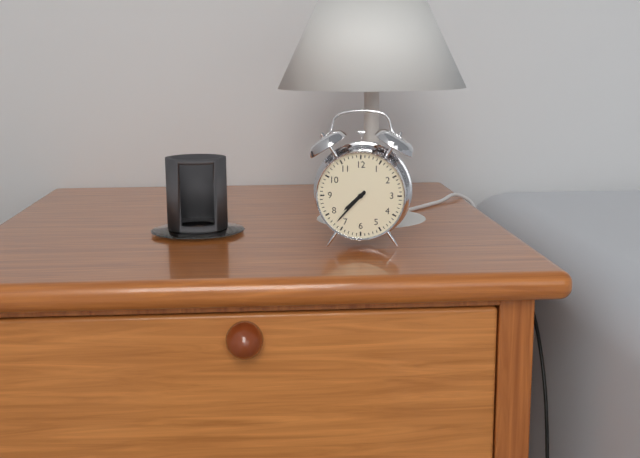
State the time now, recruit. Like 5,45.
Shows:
7,37
